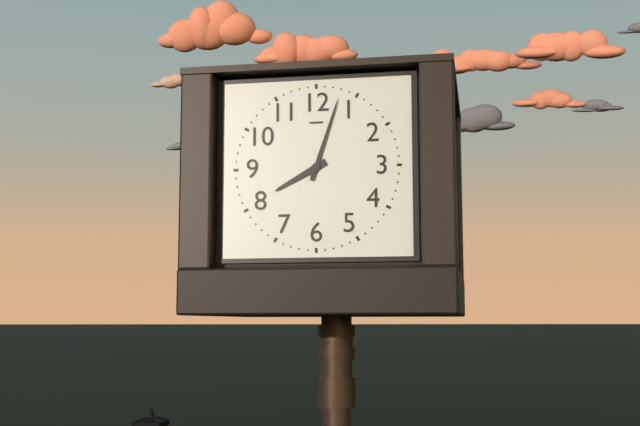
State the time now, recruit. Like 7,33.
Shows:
8,03
